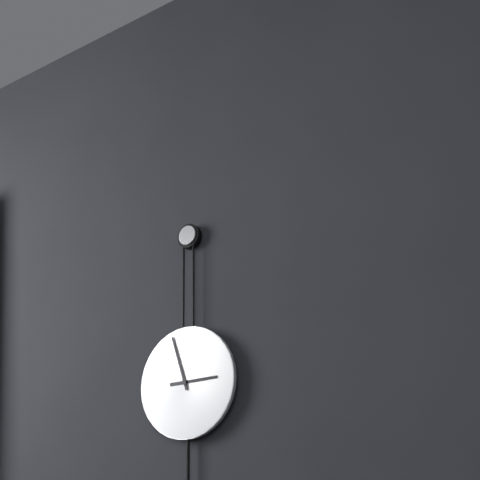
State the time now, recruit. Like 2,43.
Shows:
2,57
